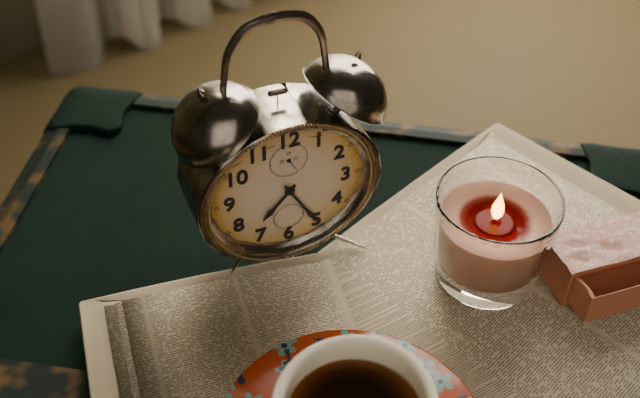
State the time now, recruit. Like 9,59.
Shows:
7,25
